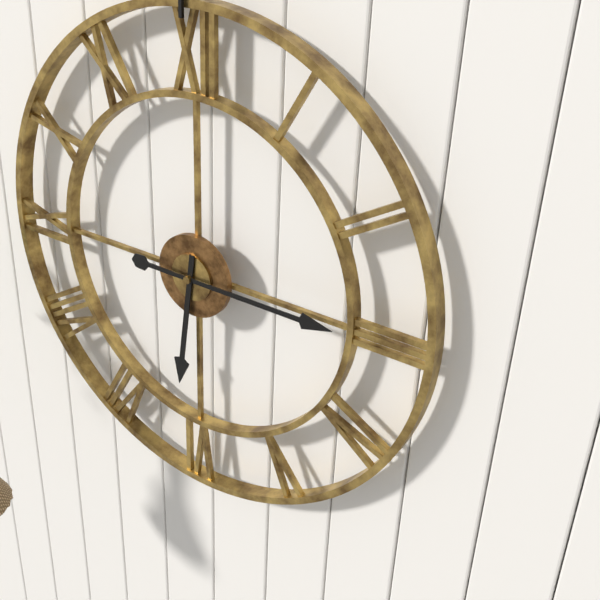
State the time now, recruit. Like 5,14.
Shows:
6,15
